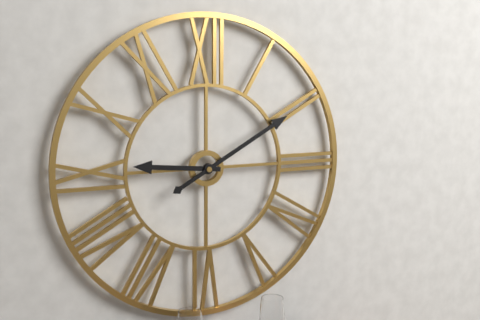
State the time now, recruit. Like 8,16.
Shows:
9,10
